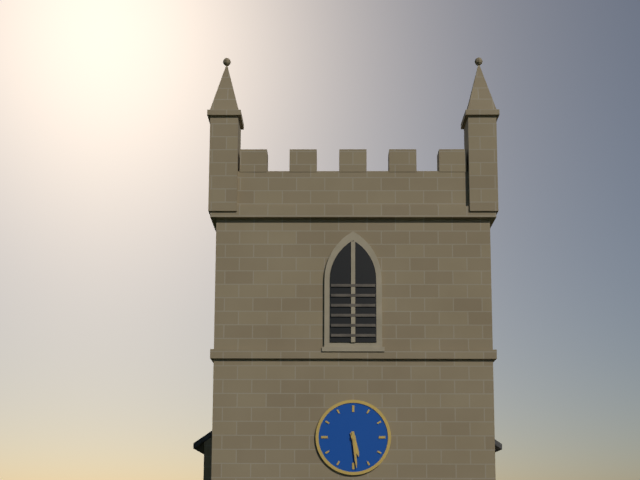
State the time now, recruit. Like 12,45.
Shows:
5,29
